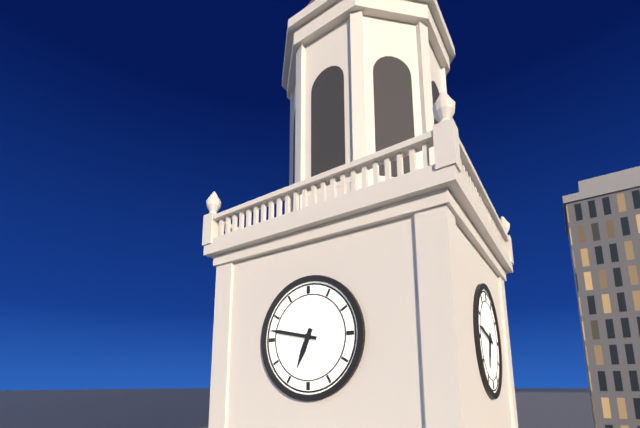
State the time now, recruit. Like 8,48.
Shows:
6,47
